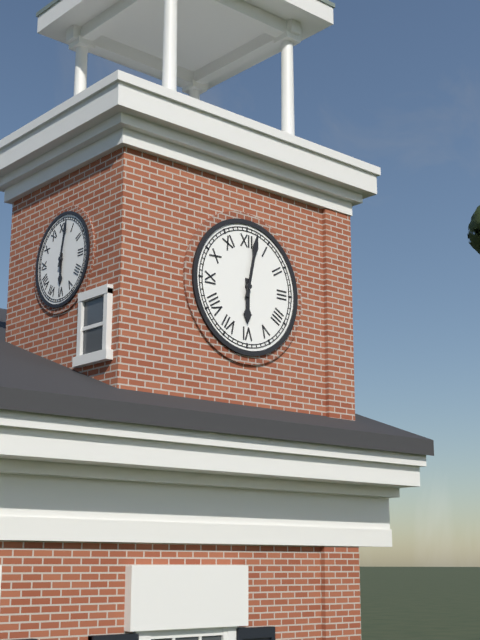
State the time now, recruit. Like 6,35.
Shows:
6,02
